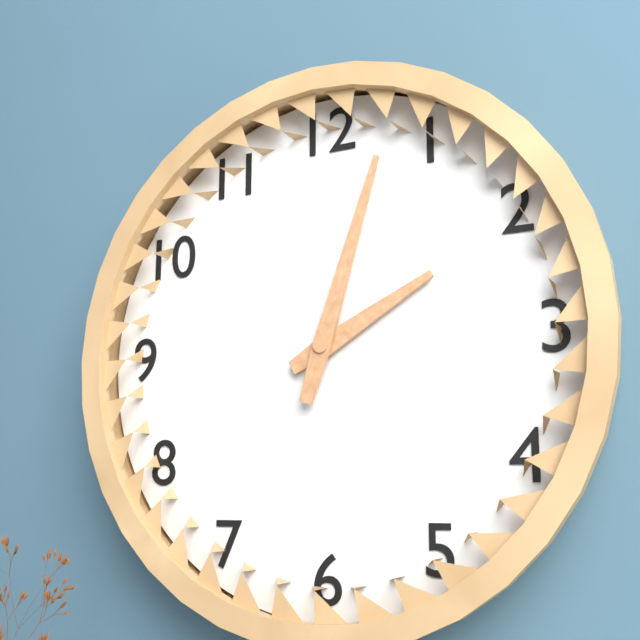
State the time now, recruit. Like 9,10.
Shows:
2,03
